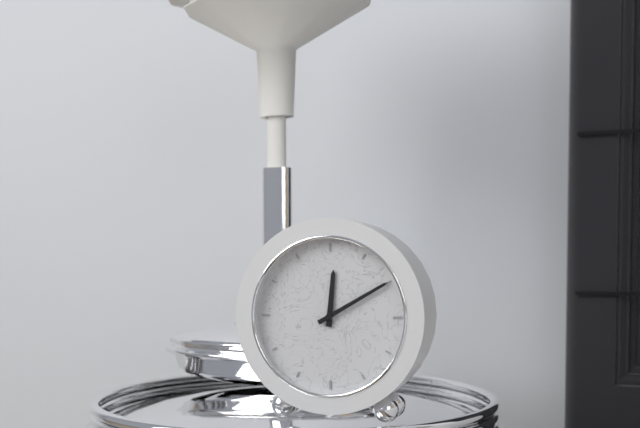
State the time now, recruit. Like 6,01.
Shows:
12,10
